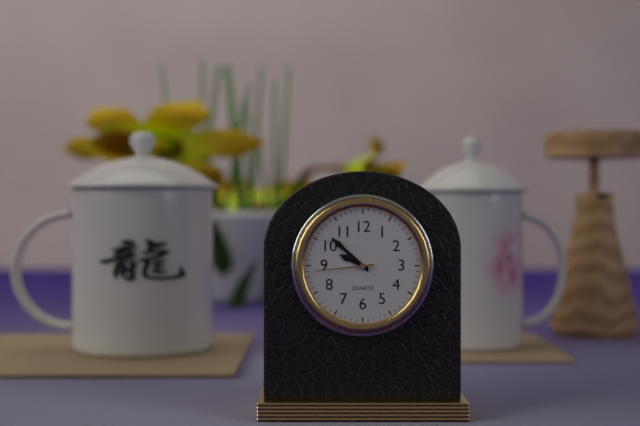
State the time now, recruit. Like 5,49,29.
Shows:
9,52,44
